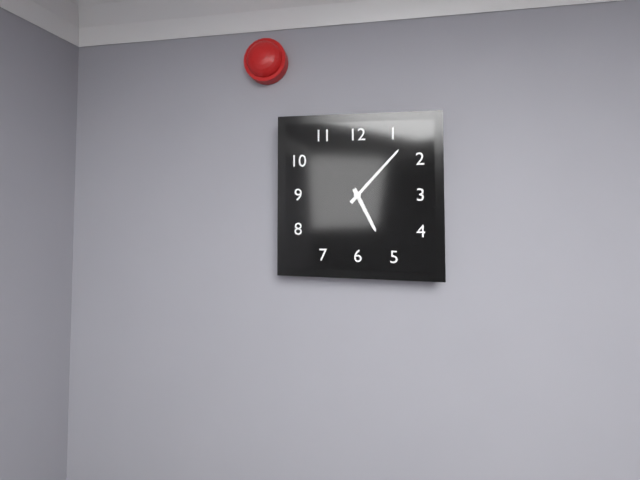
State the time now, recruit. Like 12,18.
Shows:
5,07
